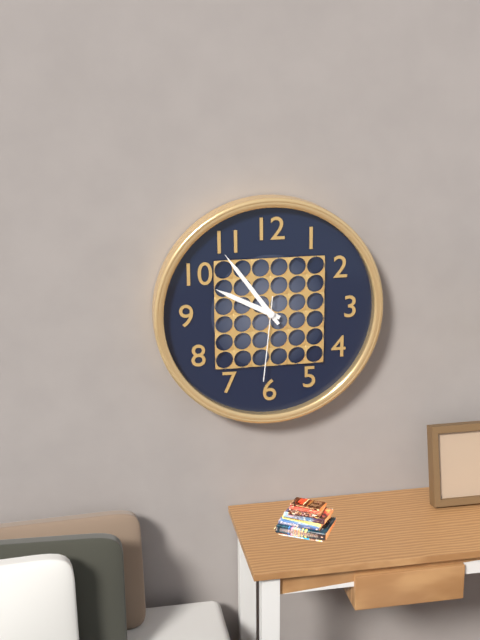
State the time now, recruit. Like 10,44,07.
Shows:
9,54,31
